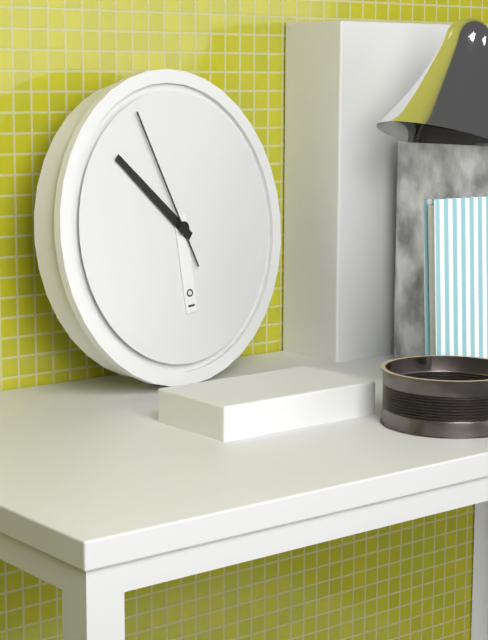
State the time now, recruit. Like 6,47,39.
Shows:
5,52,56
